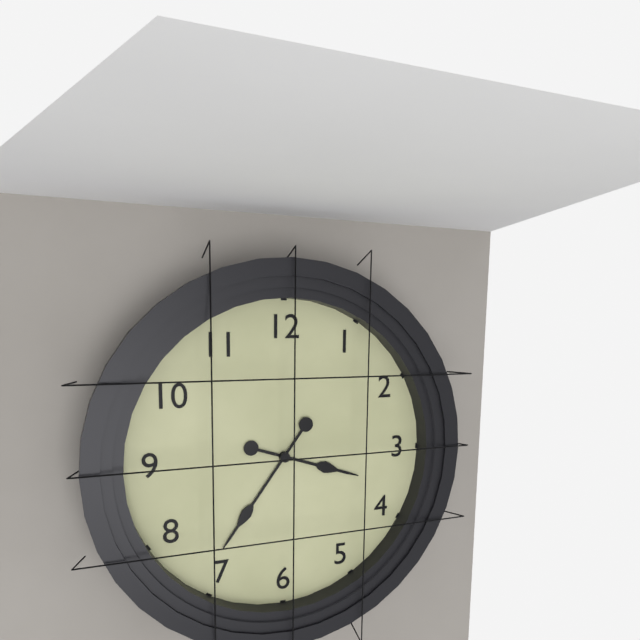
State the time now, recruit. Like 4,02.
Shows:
3,36
